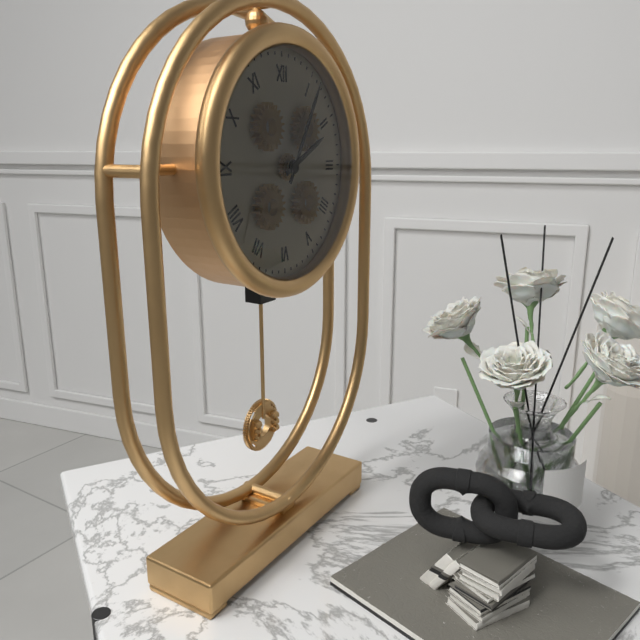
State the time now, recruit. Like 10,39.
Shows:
2,05
